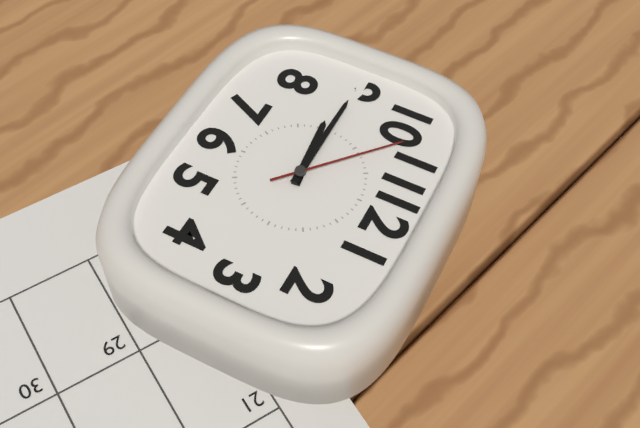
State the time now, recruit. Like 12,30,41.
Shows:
8,45,52
